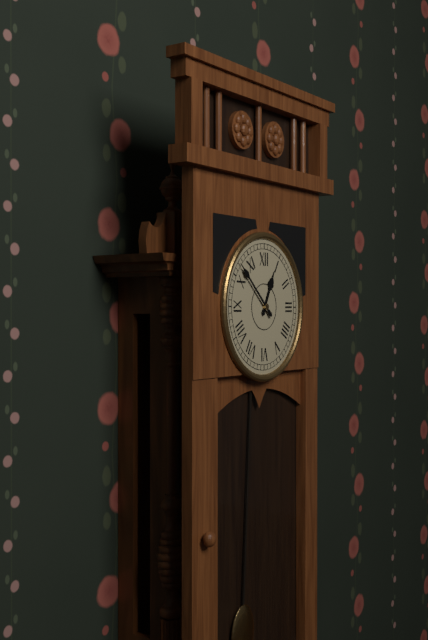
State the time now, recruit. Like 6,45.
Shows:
12,52
